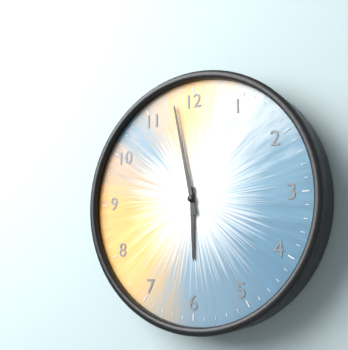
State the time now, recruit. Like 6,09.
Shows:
5,58
